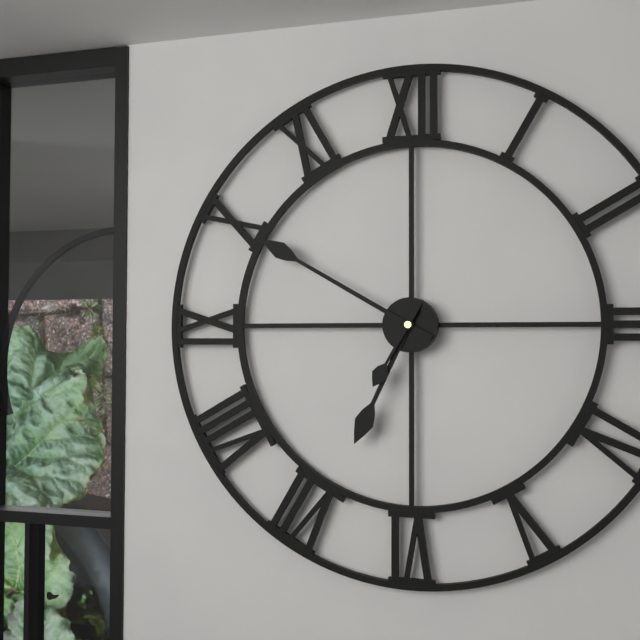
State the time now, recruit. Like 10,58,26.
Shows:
6,50,35
